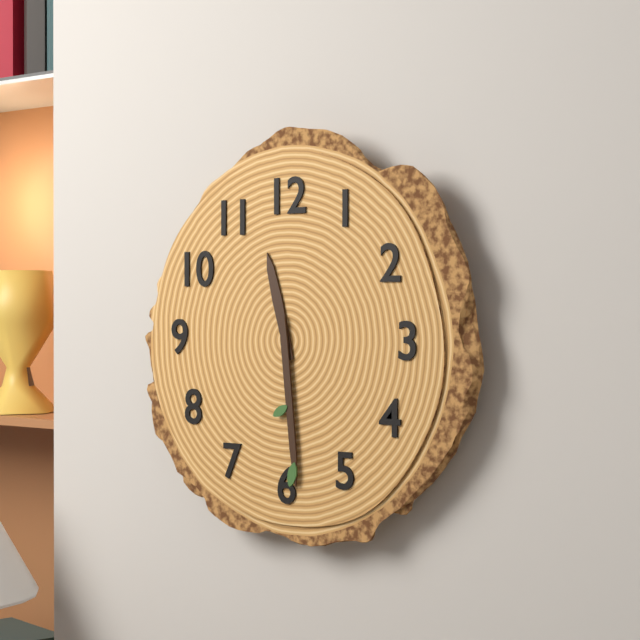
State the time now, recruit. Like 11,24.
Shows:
11,29
